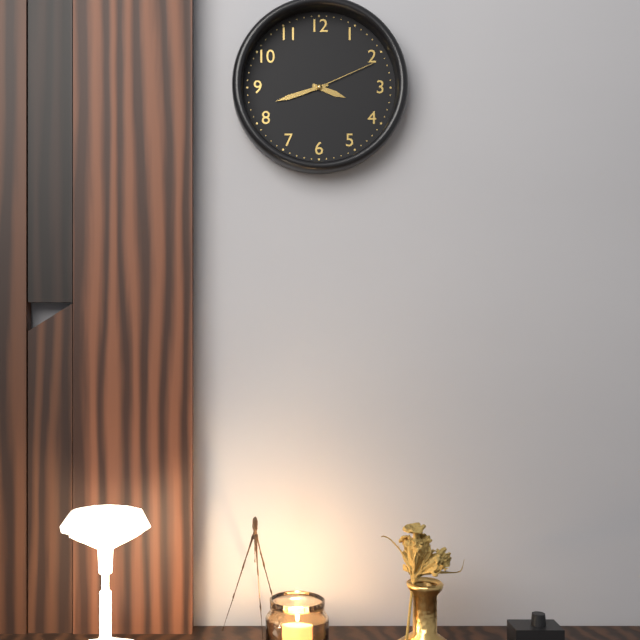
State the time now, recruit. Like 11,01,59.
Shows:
3,42,11
